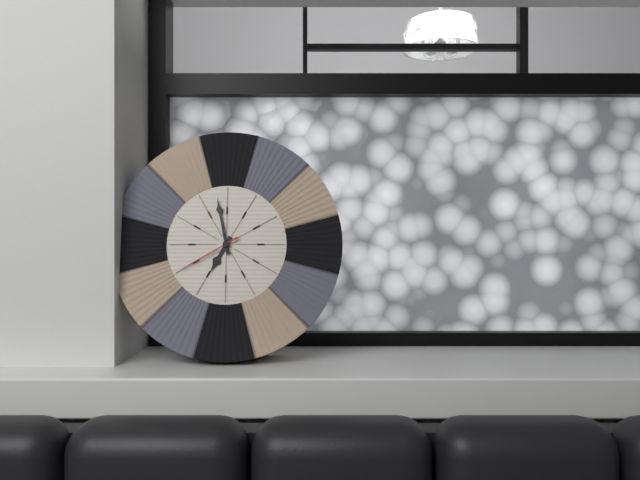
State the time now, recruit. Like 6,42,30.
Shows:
6,58,40
